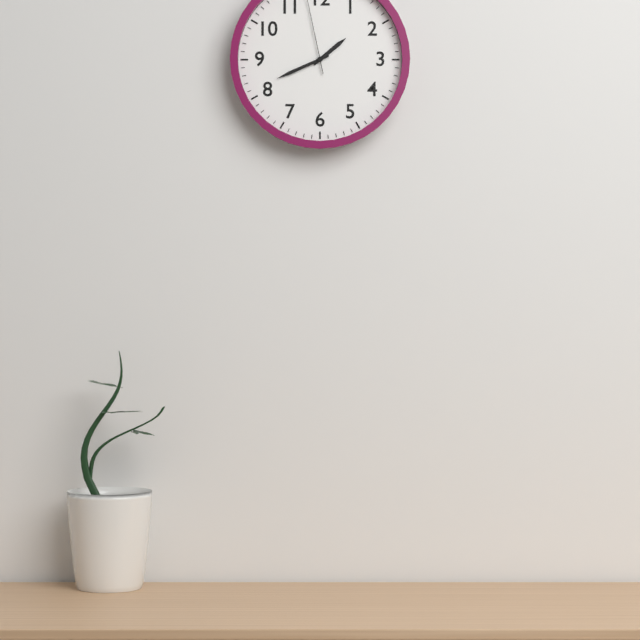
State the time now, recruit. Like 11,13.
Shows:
1,41
